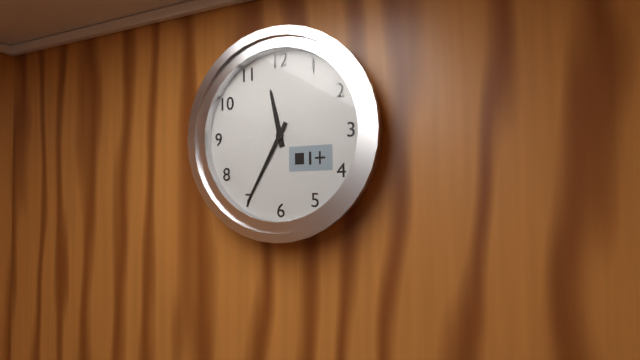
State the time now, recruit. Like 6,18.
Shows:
11,35
